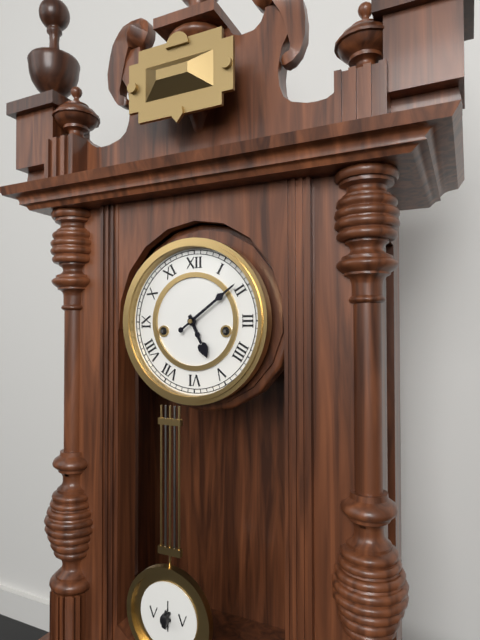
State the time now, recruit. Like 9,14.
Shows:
5,09
